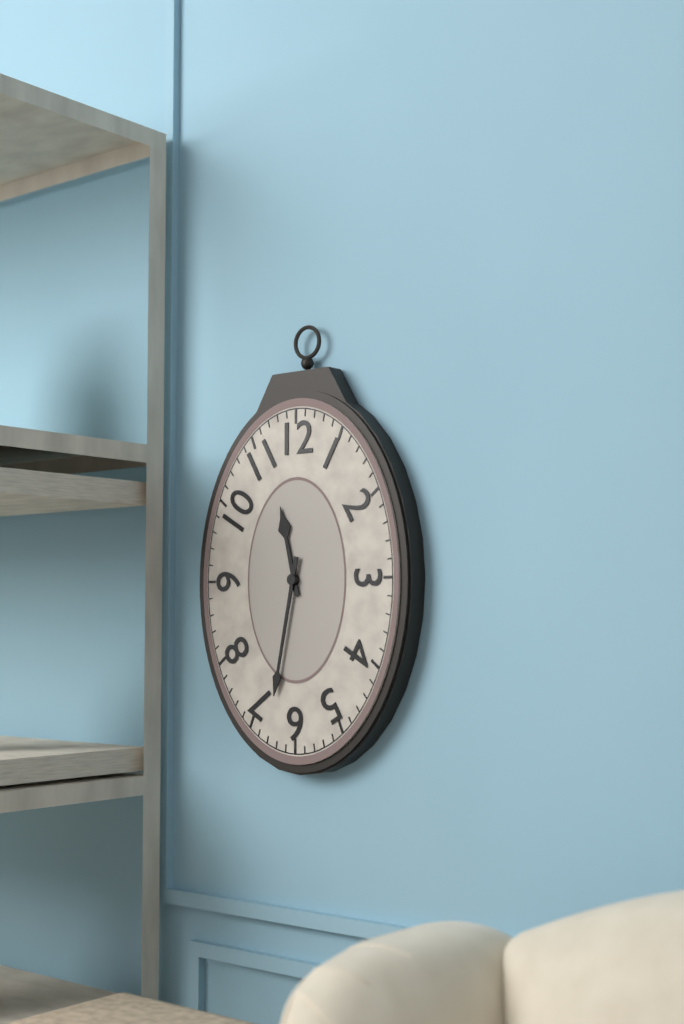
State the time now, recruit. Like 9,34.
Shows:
11,32
